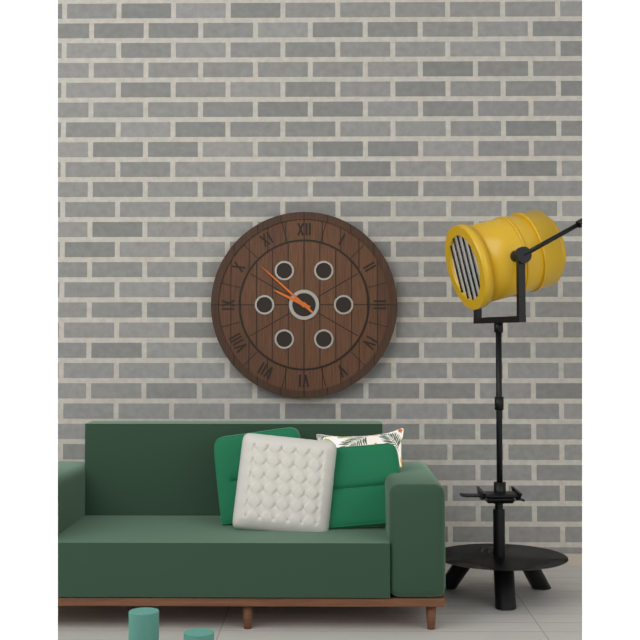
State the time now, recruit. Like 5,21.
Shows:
9,52
